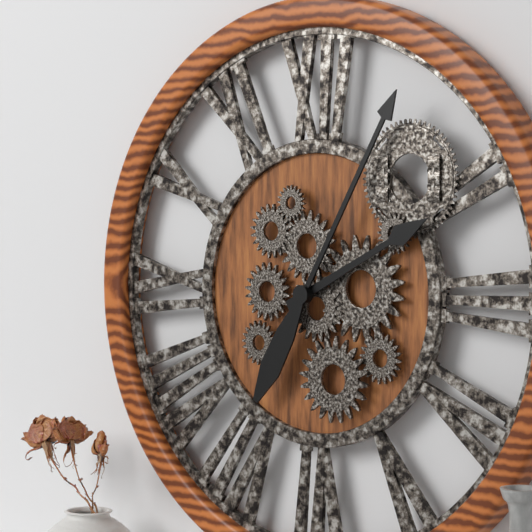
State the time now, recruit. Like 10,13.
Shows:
2,05
